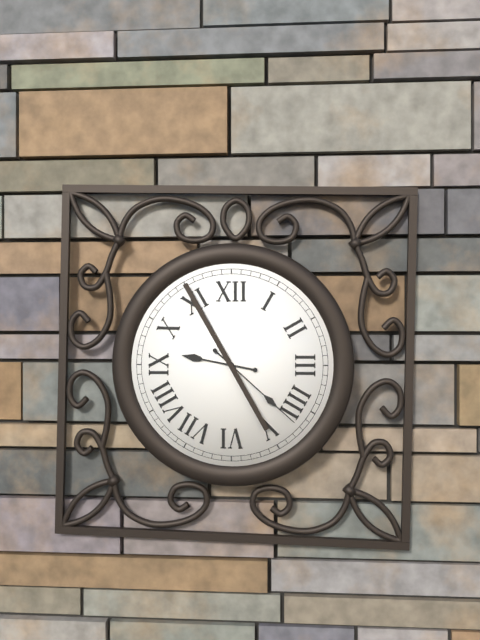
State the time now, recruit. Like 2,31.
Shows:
9,22
